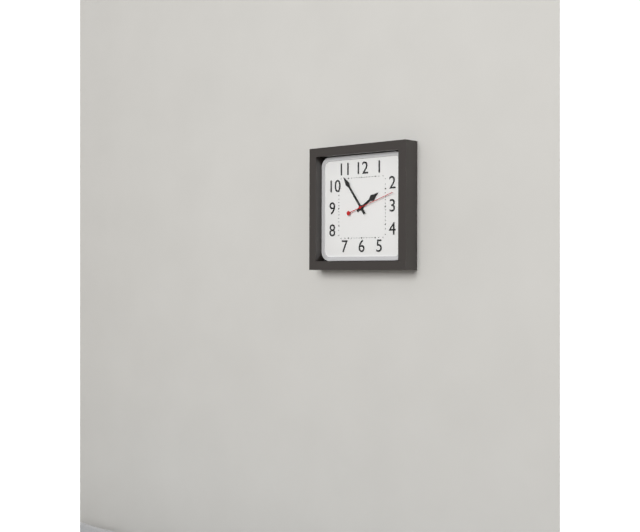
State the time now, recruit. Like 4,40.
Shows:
1,54
